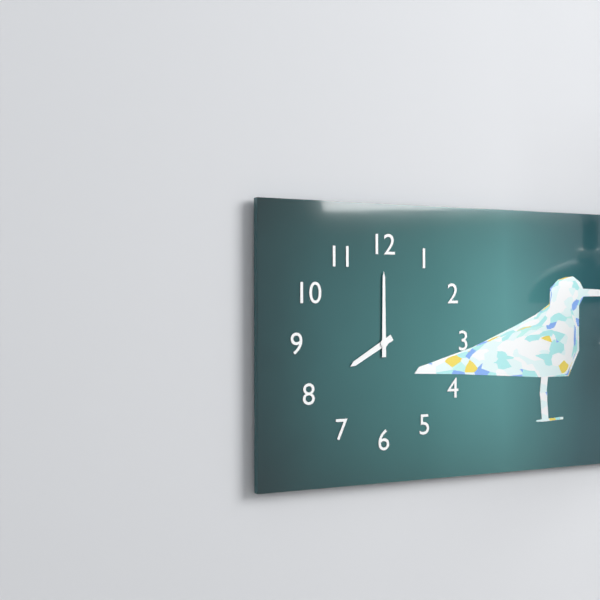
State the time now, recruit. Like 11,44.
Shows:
8,00
